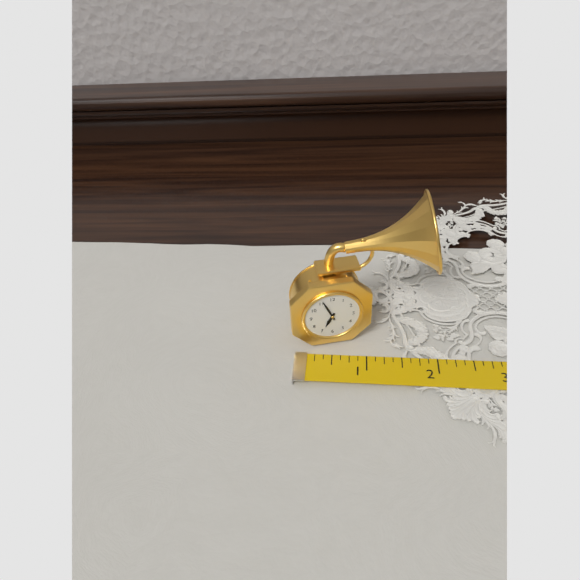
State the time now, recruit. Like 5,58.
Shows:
6,56
